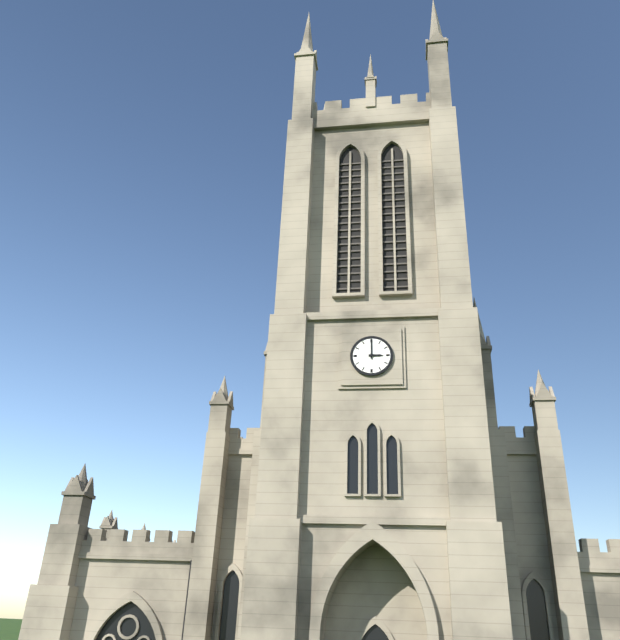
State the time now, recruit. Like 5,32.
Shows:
3,00
